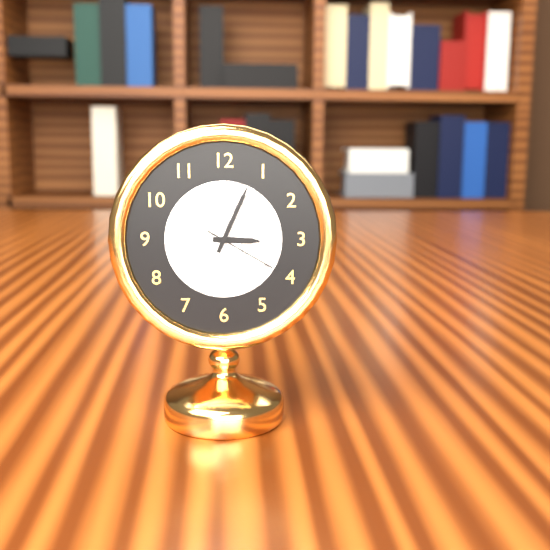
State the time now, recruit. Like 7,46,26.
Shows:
3,04,20
